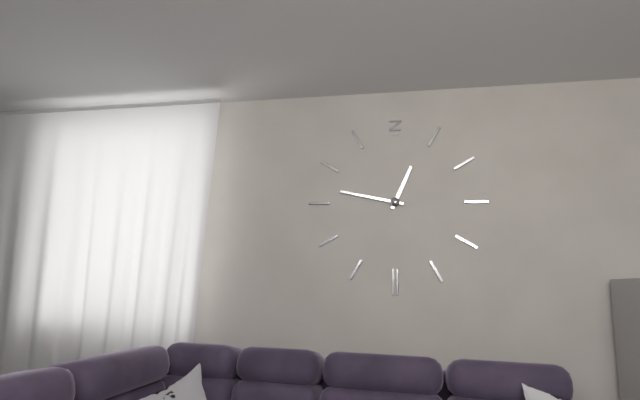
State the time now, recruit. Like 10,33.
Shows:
12,47
